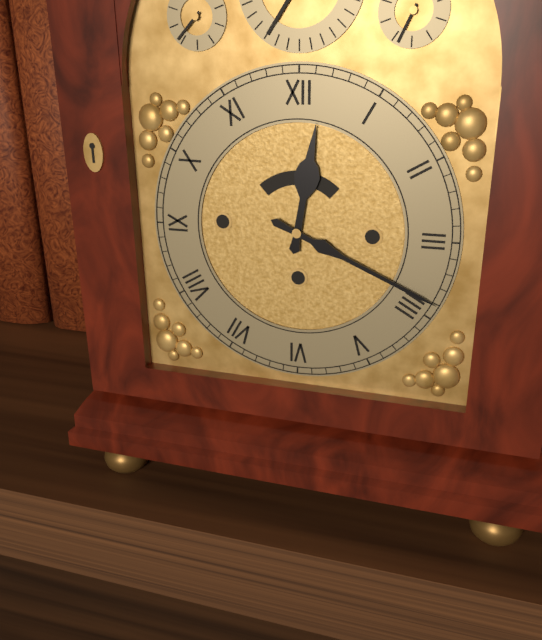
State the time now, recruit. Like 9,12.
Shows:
12,19
